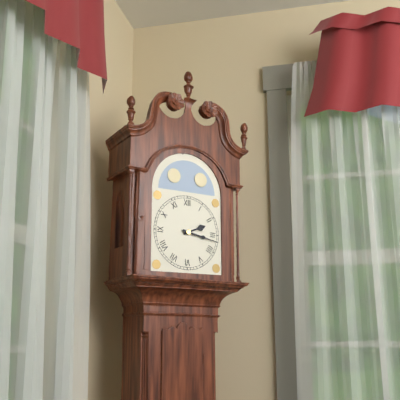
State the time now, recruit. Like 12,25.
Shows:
2,17
